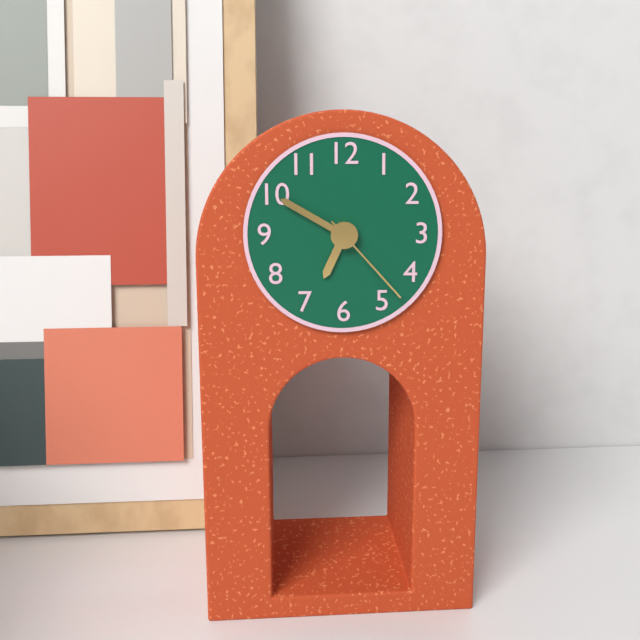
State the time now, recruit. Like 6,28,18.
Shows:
6,50,23
